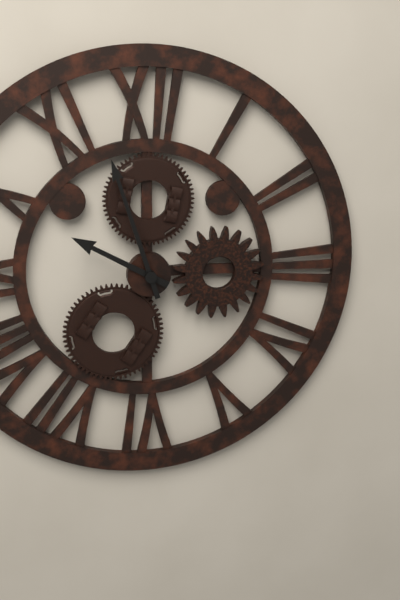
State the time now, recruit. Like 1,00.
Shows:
9,57
